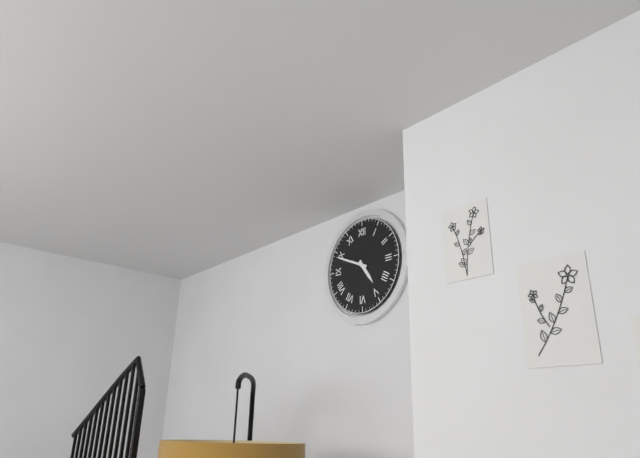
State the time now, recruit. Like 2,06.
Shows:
4,49
